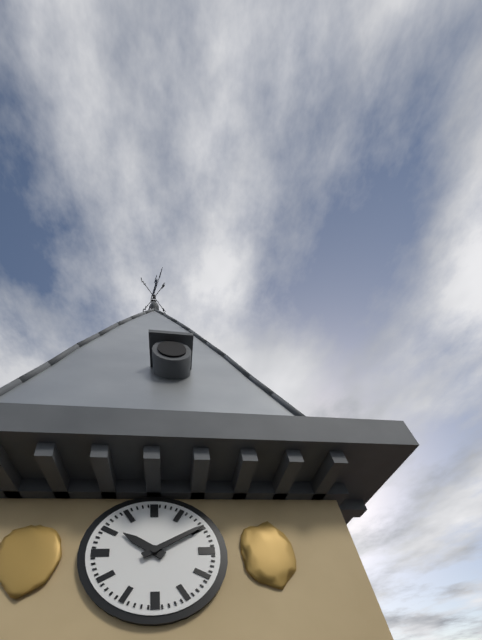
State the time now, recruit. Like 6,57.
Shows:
10,10
